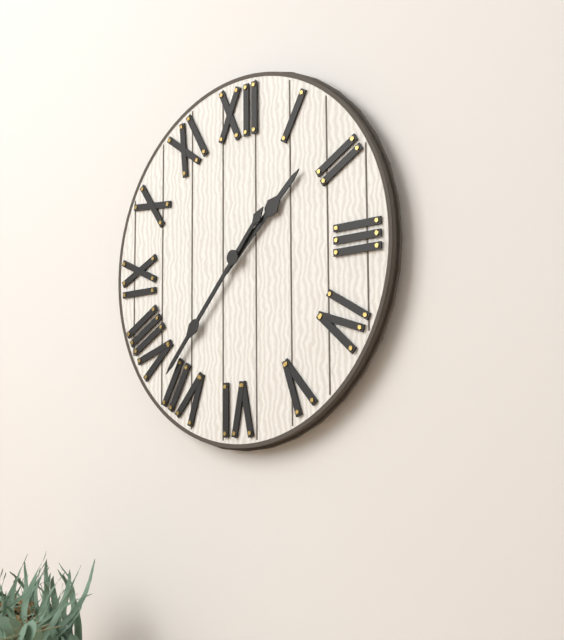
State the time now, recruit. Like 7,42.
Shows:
1,37
